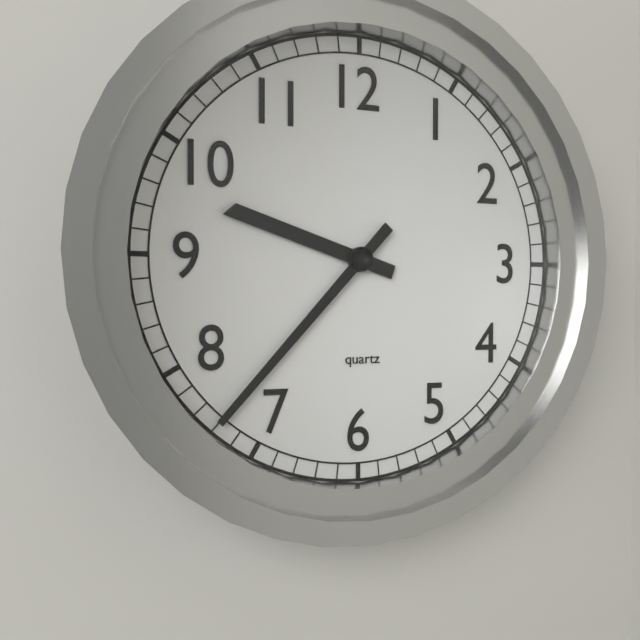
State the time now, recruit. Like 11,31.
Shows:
9,37
